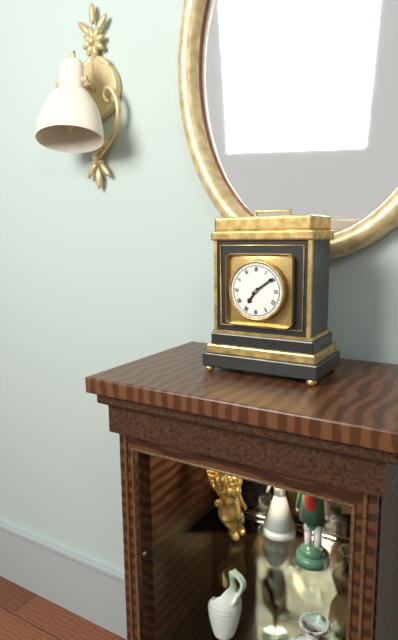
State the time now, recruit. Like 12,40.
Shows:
7,09
